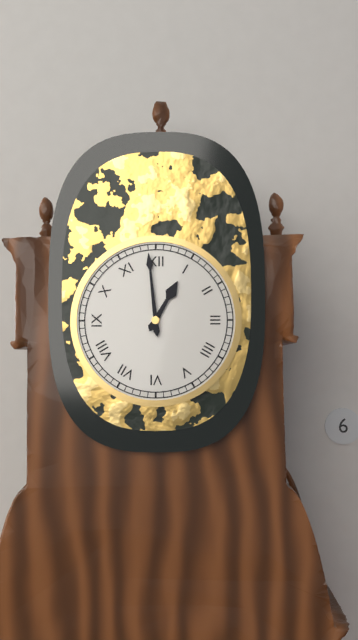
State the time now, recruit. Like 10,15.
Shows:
12,59
